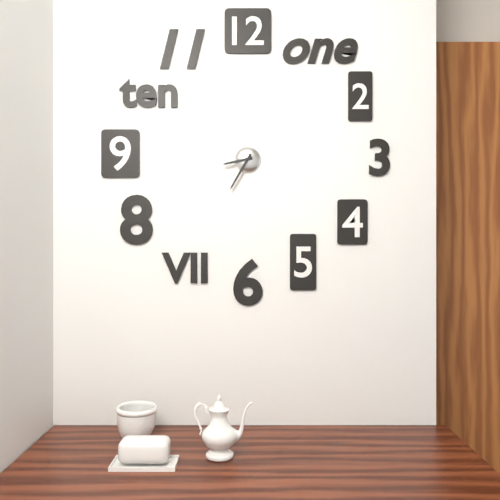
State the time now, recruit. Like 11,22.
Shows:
8,35
